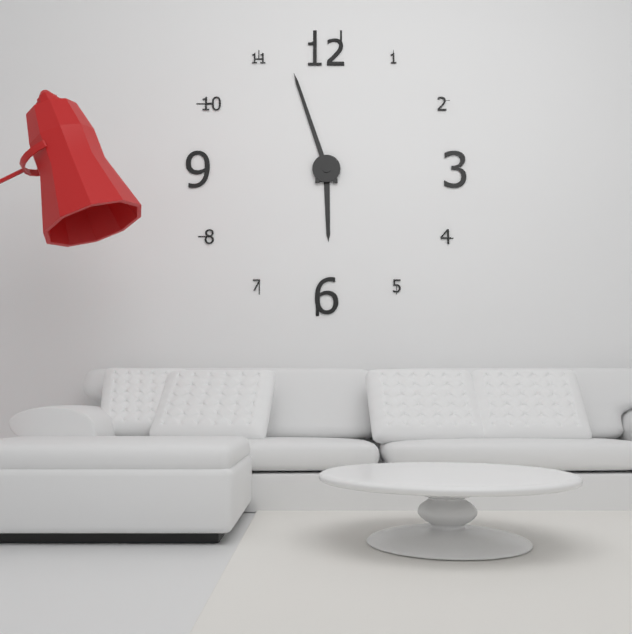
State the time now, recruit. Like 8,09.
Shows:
5,57
